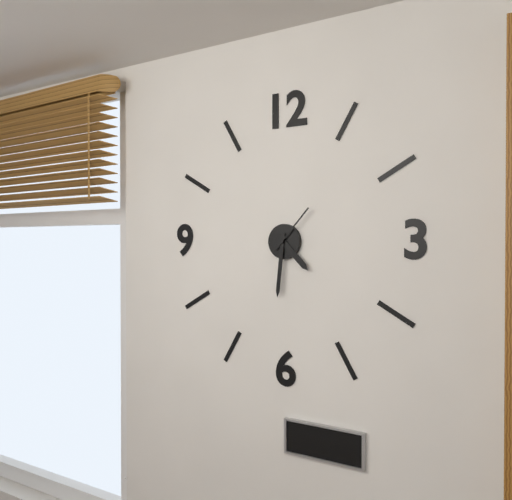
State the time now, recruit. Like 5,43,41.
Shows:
4,31,07
